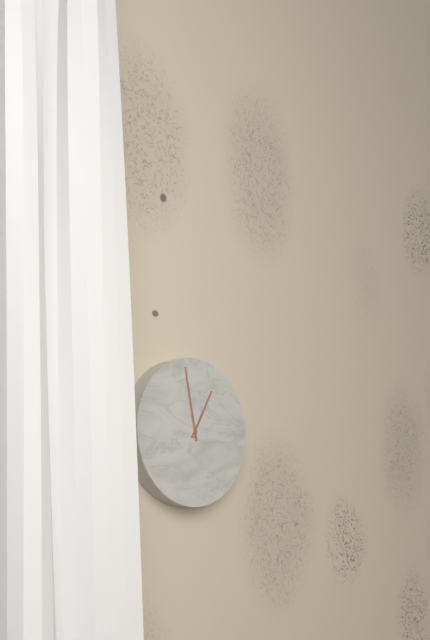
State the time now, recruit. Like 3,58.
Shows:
12,58
